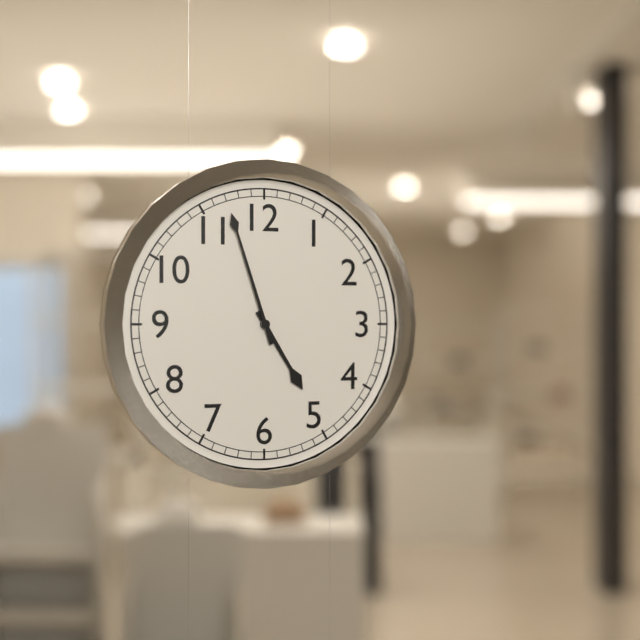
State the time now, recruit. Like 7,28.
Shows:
4,57
